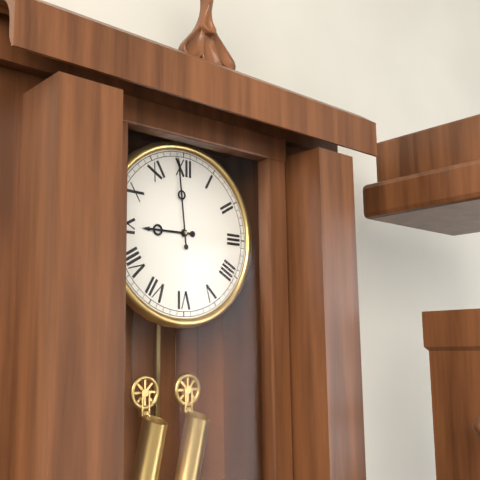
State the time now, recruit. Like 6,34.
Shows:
8,59
